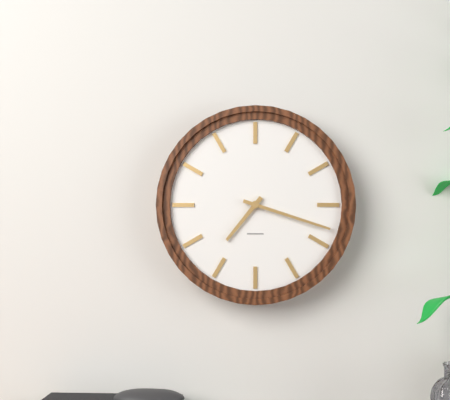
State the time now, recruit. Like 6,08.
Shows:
7,18
